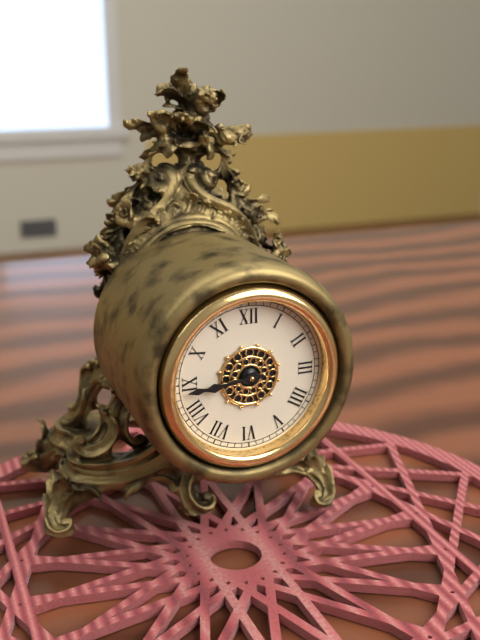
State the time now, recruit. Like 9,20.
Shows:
8,44
